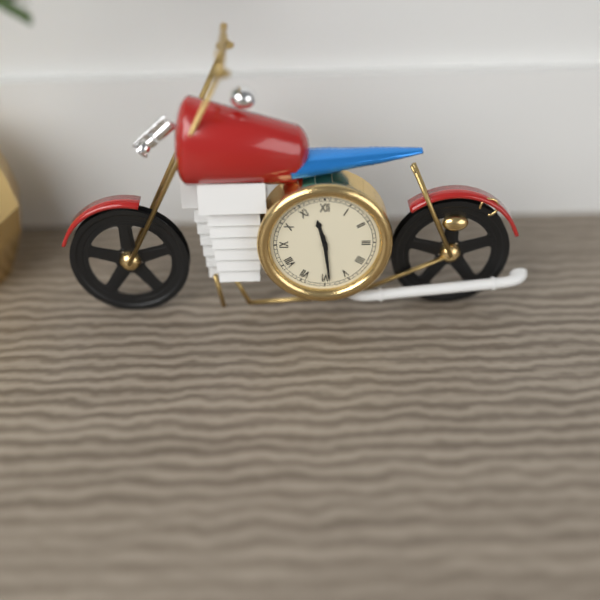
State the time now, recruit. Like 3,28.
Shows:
11,29
